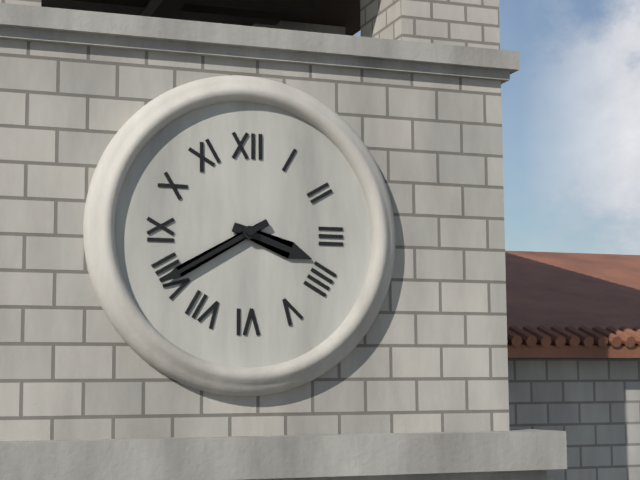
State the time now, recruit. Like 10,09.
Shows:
3,40
